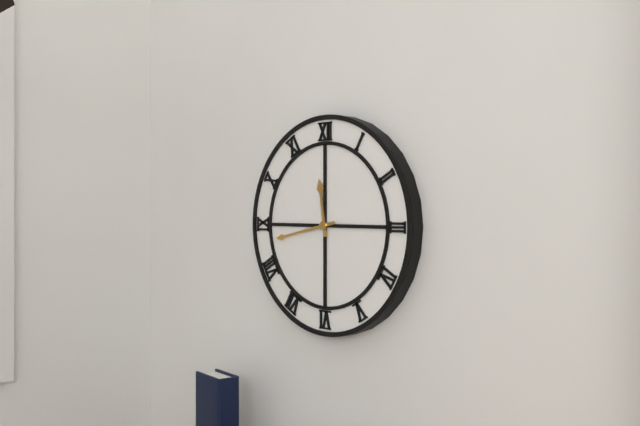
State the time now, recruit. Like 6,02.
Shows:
11,43
